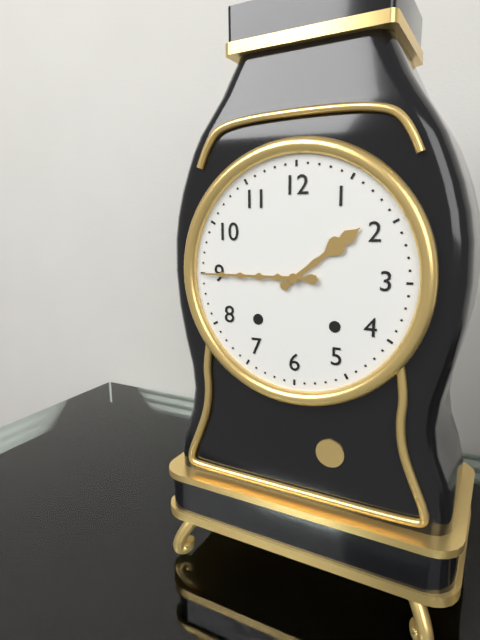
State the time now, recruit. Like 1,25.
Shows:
1,45
